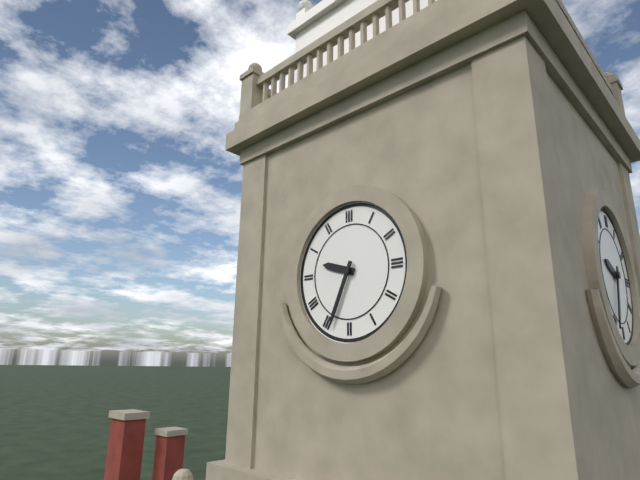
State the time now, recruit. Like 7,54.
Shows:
9,34
